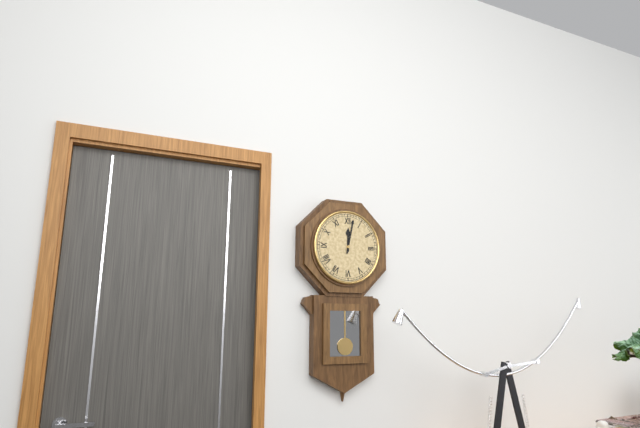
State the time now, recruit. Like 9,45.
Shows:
12,02
